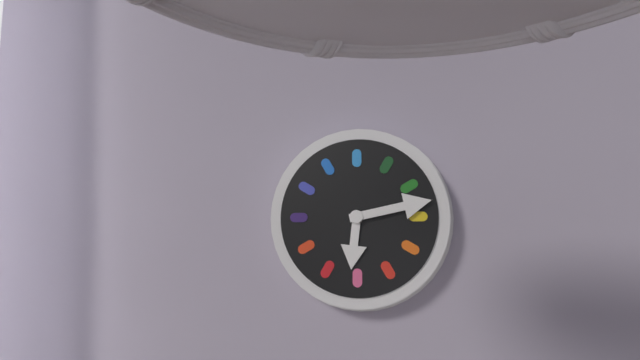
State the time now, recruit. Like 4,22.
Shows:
6,13
